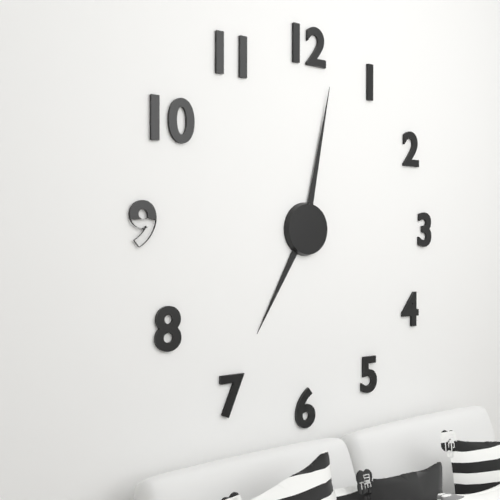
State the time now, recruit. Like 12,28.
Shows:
7,02
